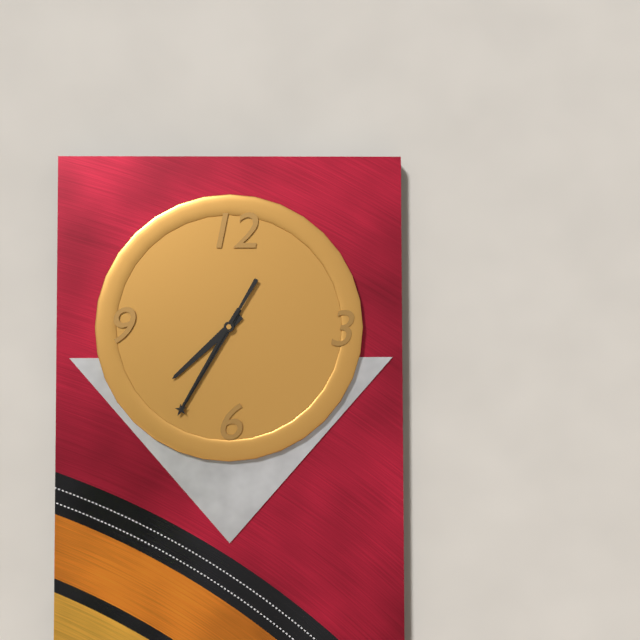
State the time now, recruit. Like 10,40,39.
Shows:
7,35,35
